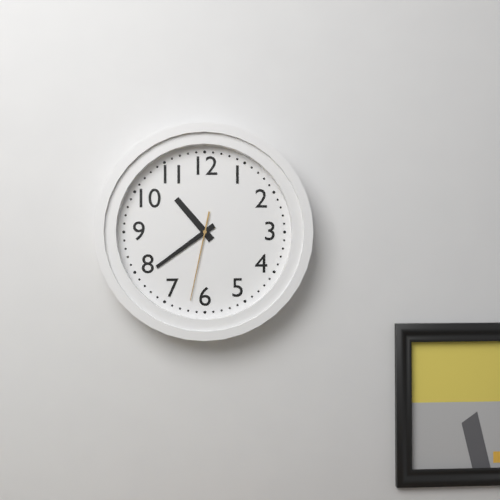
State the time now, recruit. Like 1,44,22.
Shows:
10,39,32
